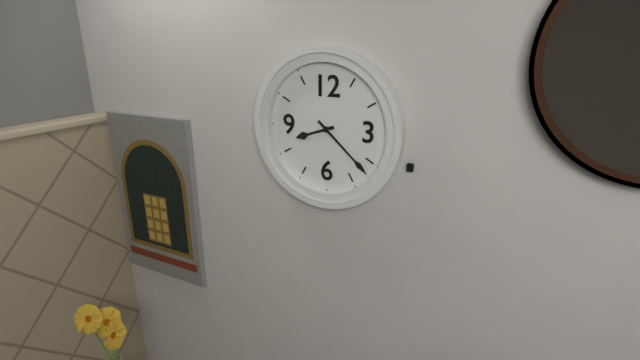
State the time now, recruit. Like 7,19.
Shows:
8,22
